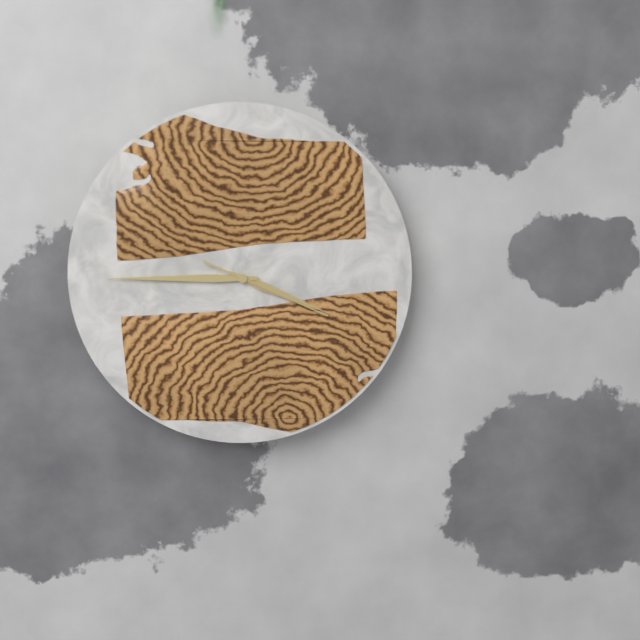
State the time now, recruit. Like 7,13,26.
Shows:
3,45,19
